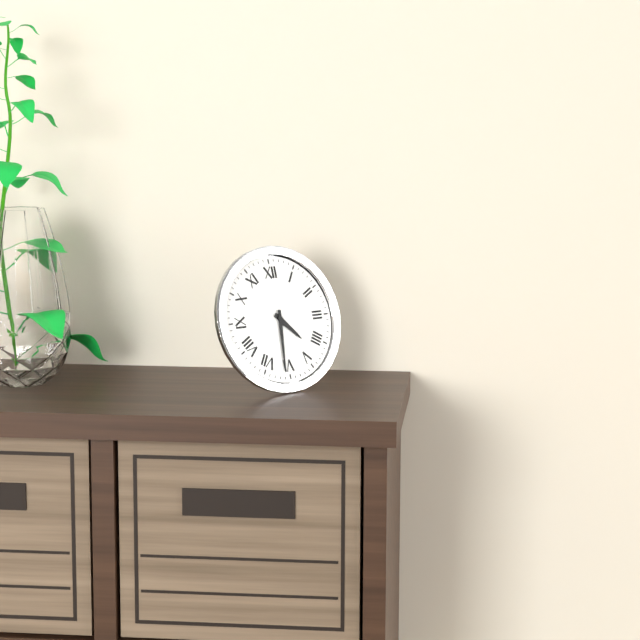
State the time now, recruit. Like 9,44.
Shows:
4,31
